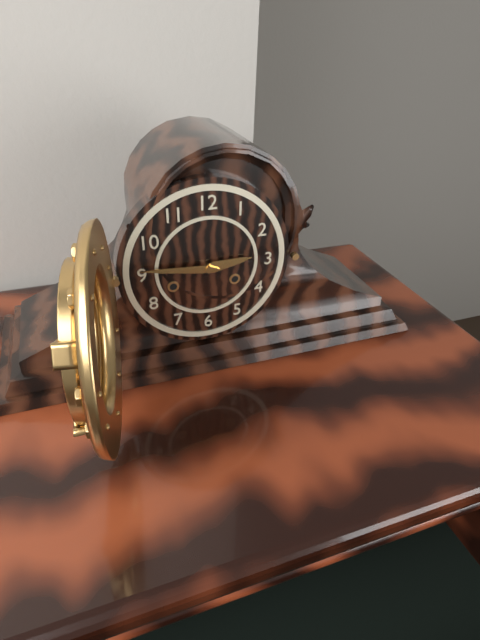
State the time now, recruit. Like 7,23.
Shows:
2,46
